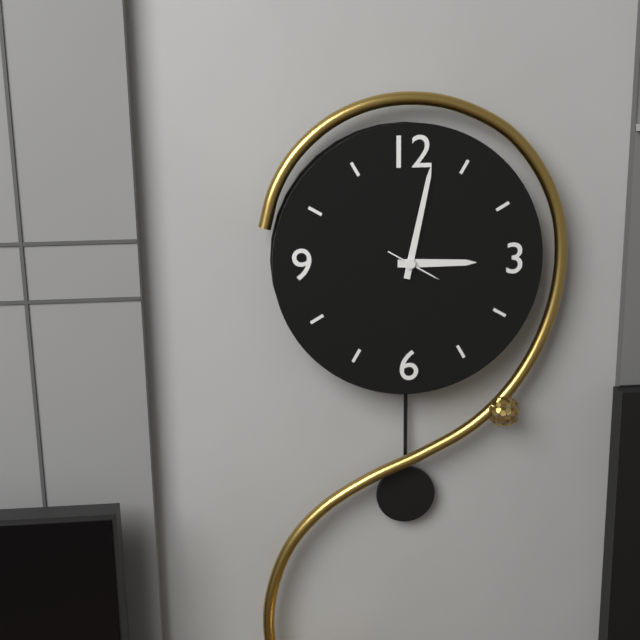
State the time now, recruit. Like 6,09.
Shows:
3,02
